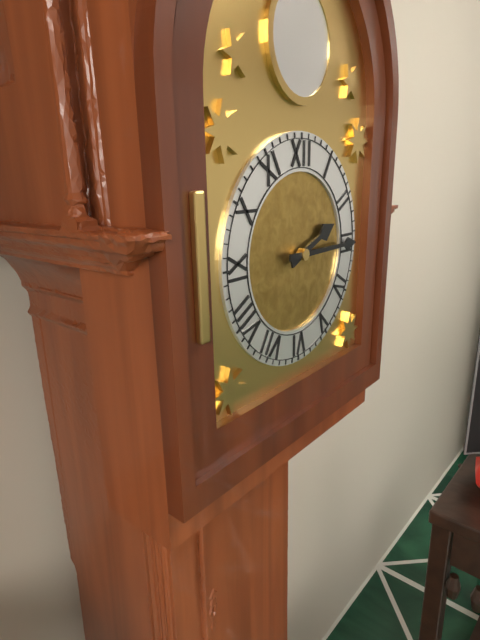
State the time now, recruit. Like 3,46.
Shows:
2,15
